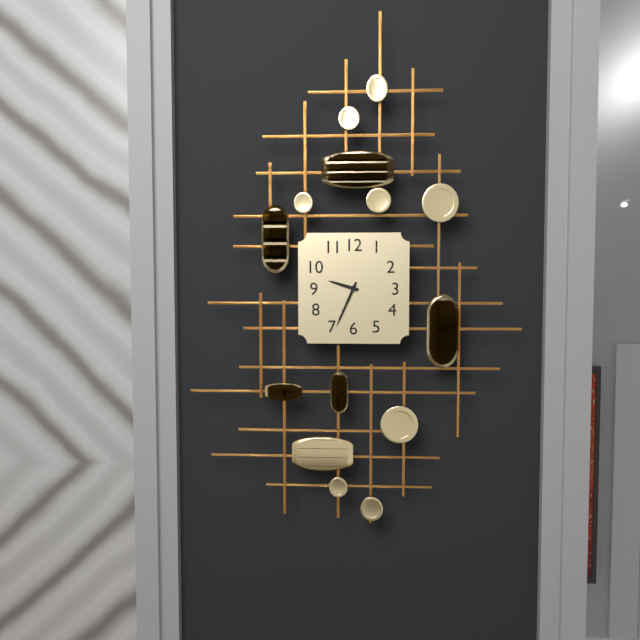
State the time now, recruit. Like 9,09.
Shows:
9,34
